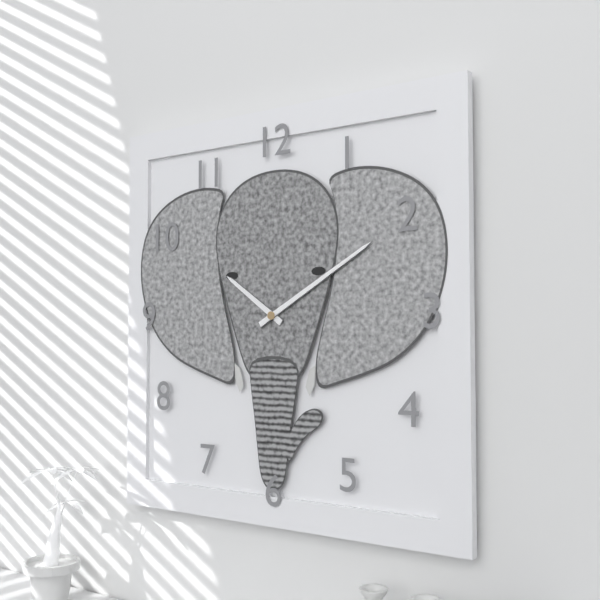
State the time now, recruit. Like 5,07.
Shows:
10,10
